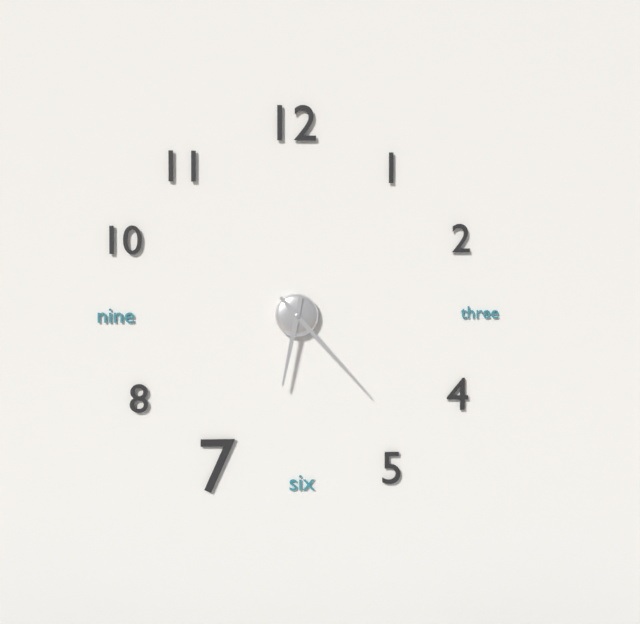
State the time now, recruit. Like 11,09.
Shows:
6,23
